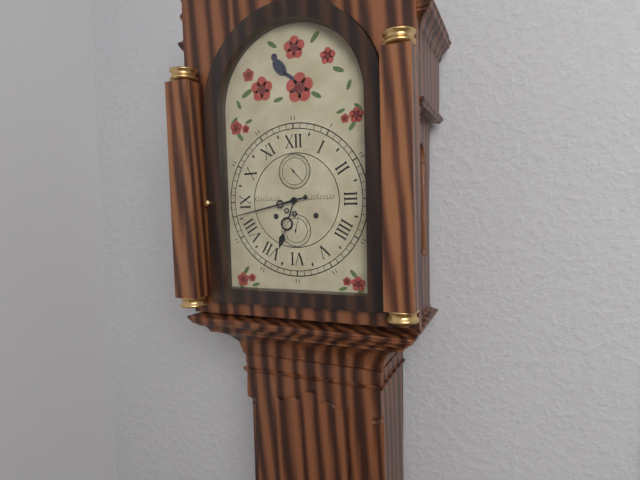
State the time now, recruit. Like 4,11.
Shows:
6,43
